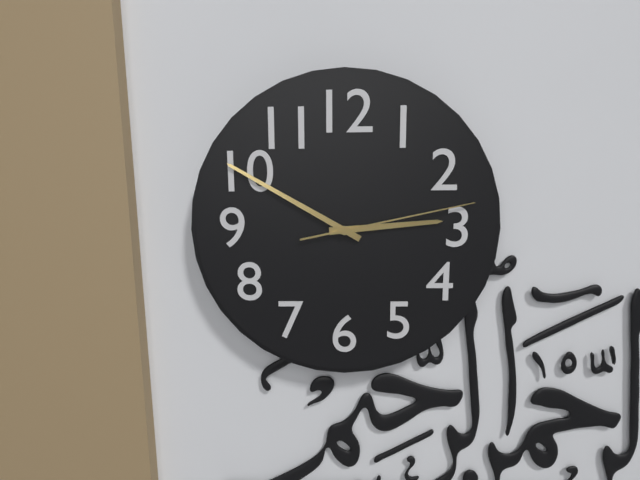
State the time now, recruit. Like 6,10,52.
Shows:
2,50,13
